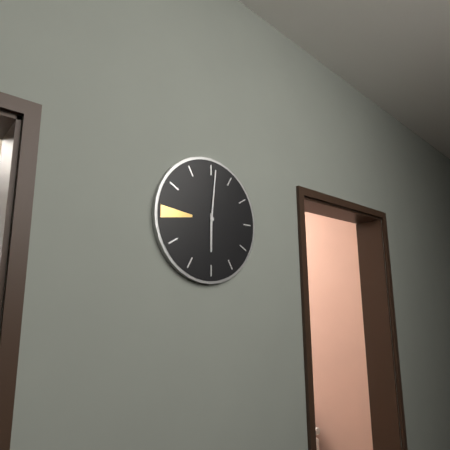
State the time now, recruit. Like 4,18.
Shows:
6,01
